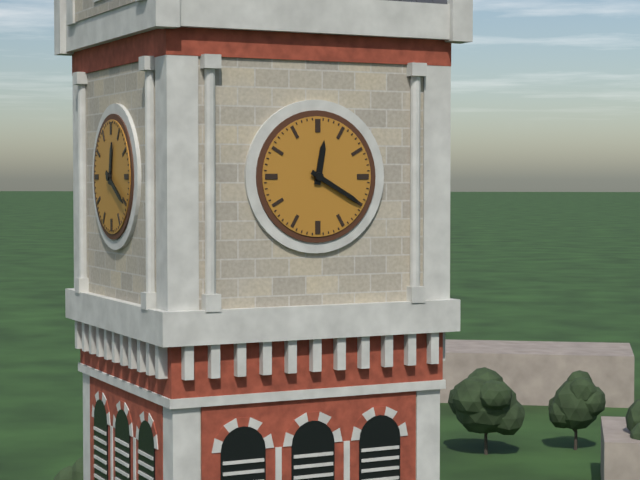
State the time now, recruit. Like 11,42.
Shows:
12,20
